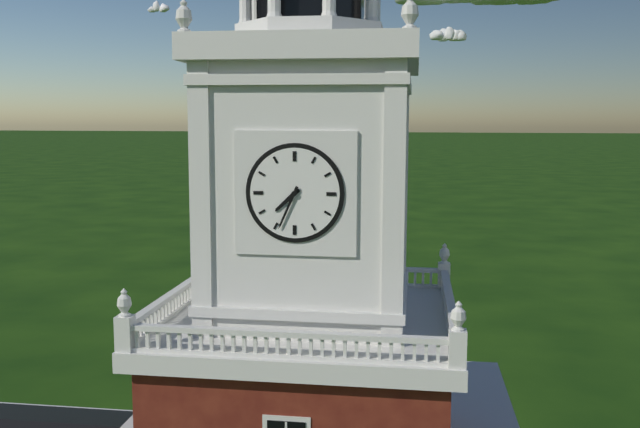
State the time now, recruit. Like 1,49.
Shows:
7,34
